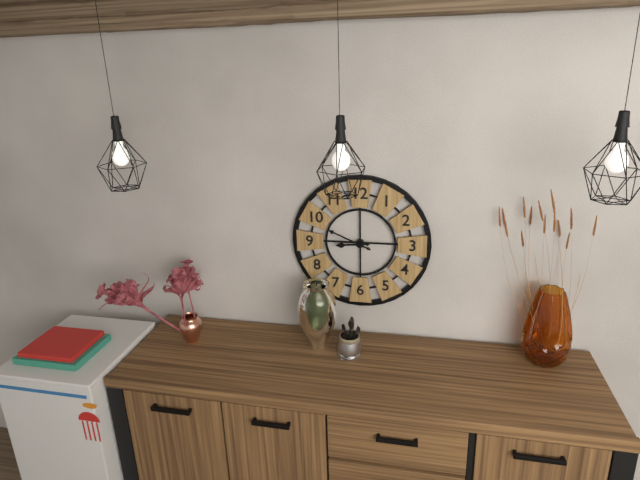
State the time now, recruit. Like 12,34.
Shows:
8,49
